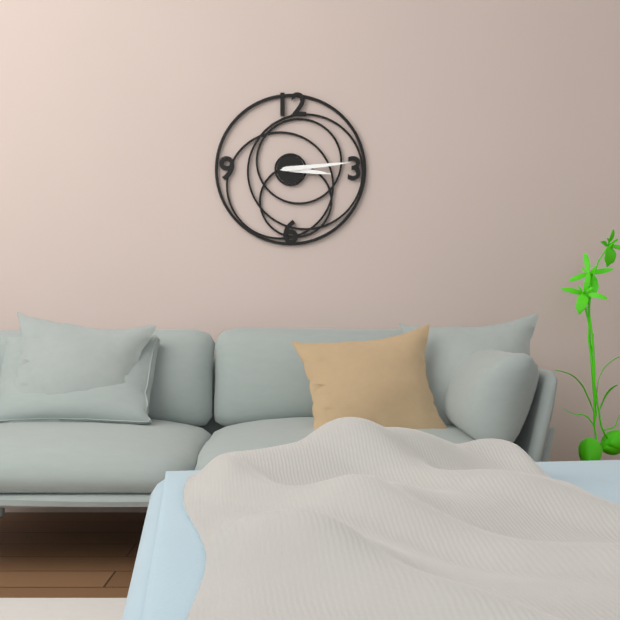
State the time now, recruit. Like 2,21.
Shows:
3,14
